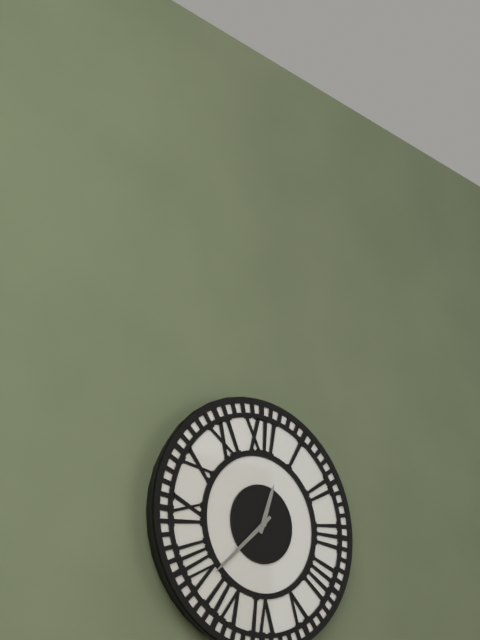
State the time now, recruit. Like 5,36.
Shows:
12,38
